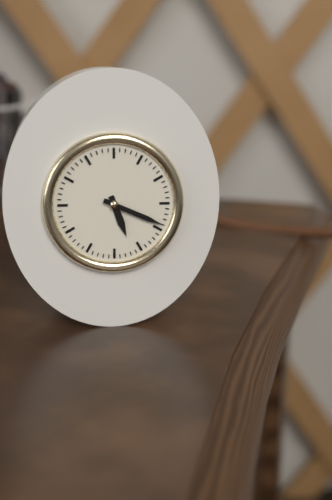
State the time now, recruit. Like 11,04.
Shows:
5,19
